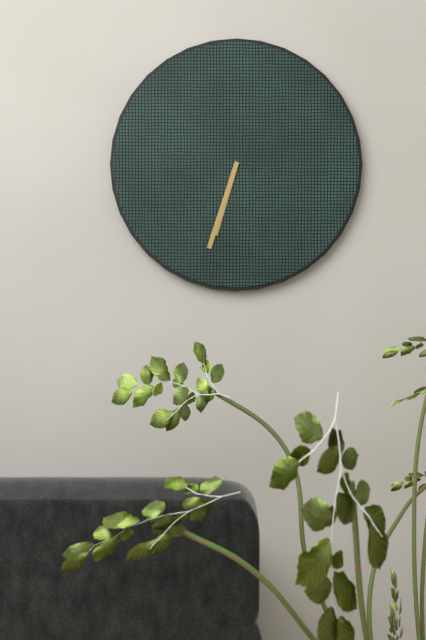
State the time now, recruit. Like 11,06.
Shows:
6,33
